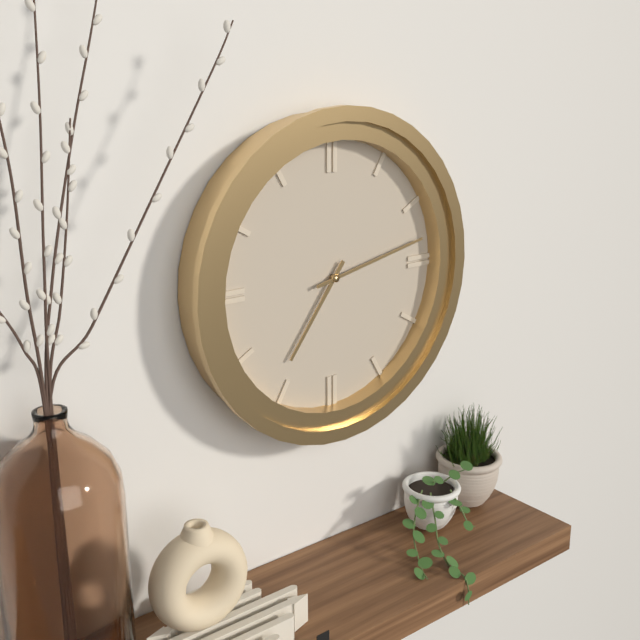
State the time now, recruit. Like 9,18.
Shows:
7,13
